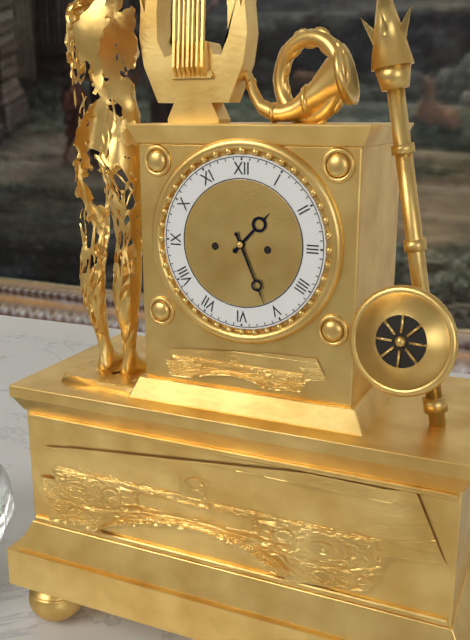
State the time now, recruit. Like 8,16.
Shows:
1,26
